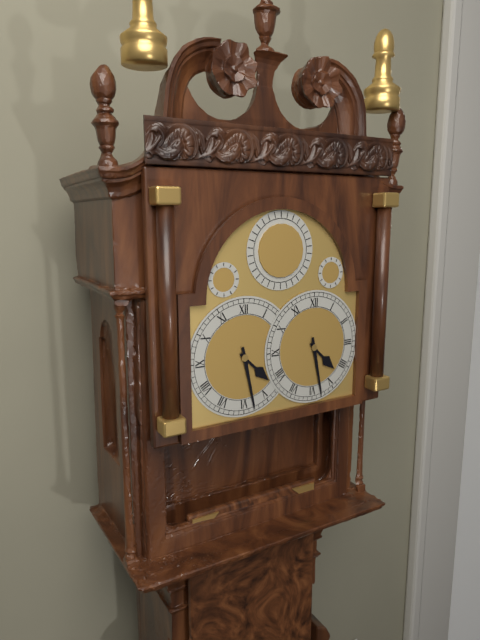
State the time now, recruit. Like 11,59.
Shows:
4,28
